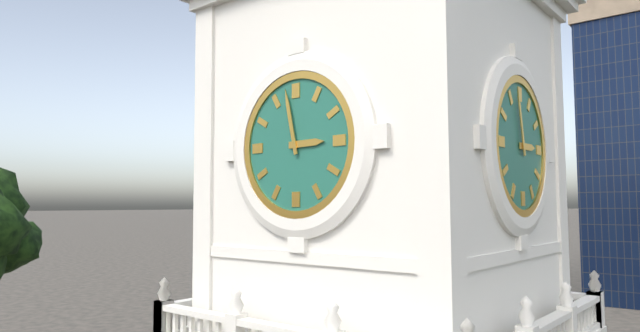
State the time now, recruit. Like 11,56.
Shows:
2,58
